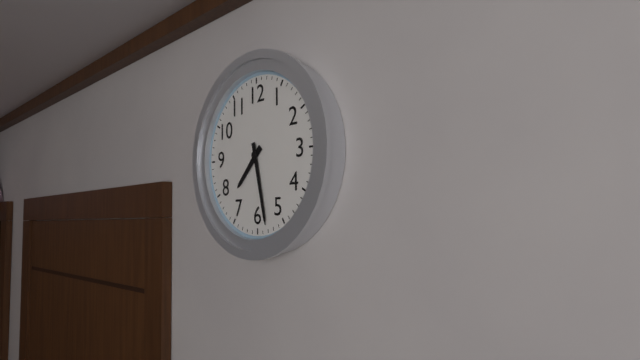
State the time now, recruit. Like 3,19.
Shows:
7,28
